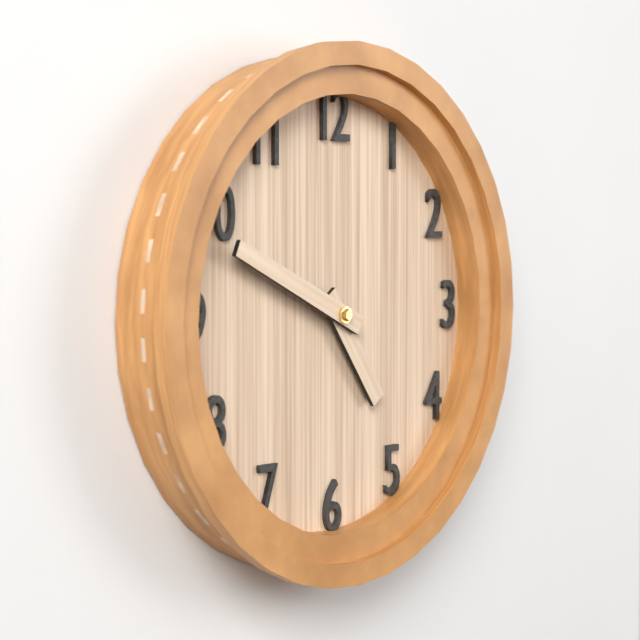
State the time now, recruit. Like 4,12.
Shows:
4,49
